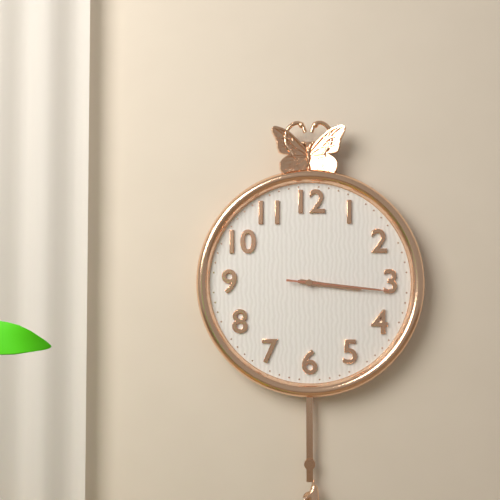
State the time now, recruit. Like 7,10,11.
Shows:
3,16,16
